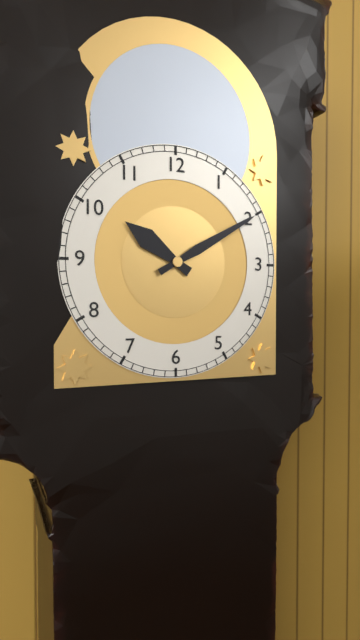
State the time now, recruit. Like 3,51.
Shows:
10,10
